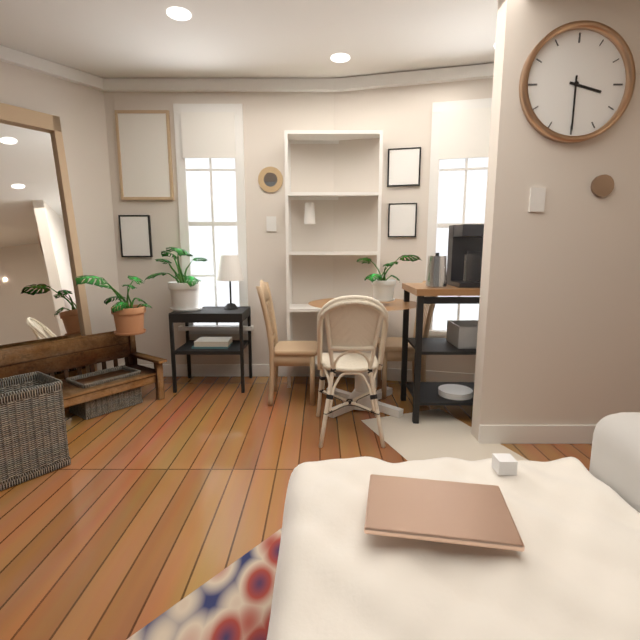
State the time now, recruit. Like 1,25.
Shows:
3,30
